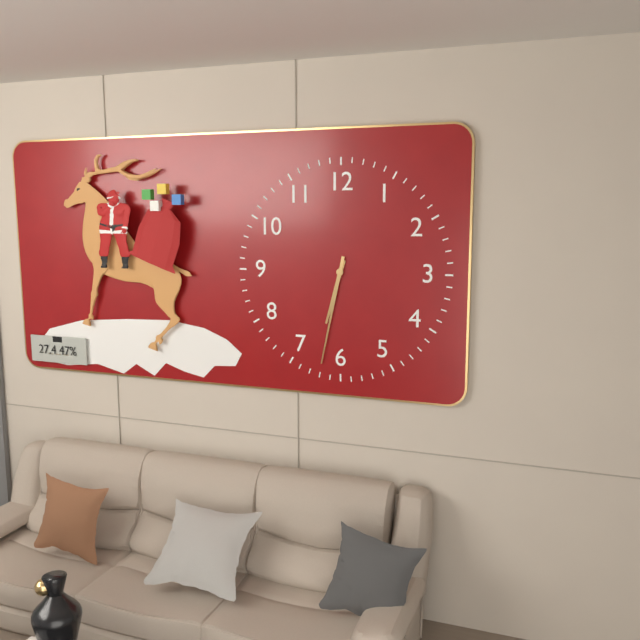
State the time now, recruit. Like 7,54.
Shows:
6,32
